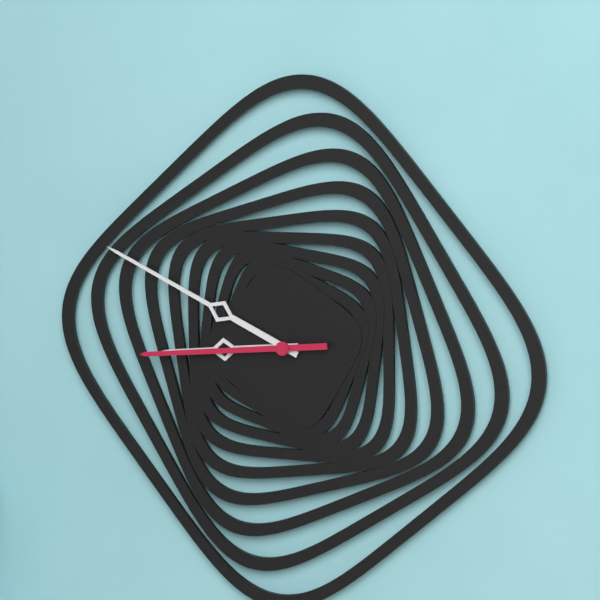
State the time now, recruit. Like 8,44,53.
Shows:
8,49,44
